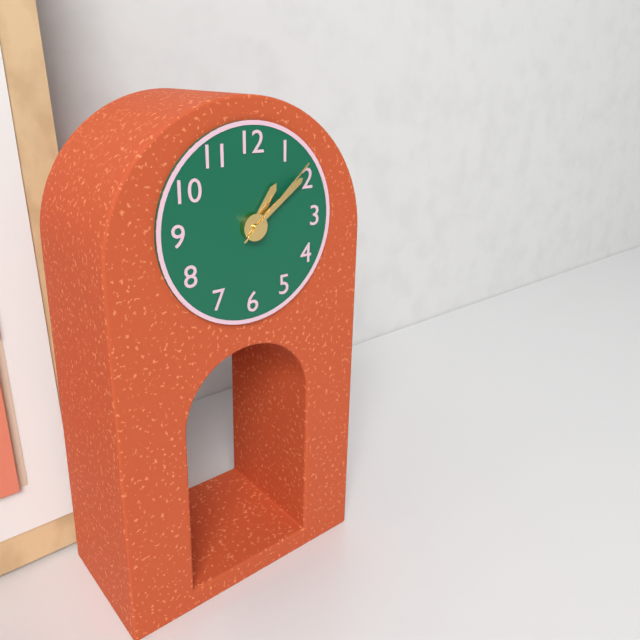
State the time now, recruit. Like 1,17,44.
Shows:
1,09,08
